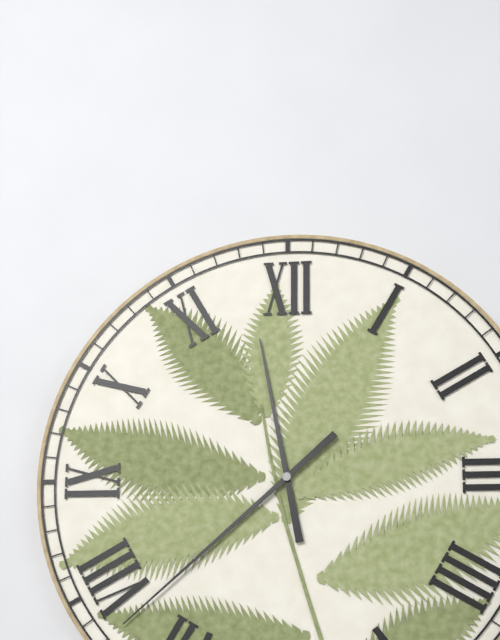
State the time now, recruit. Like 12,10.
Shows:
11,38
